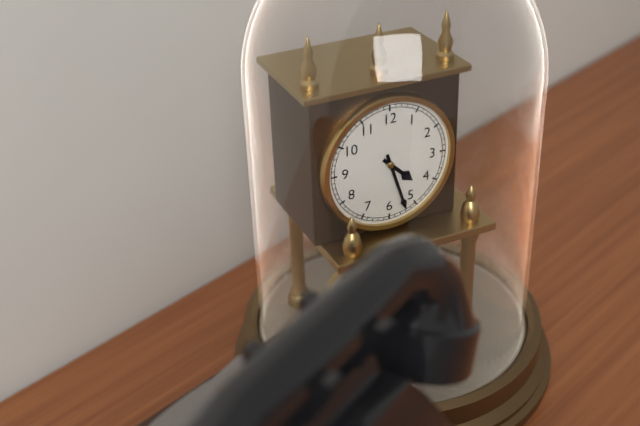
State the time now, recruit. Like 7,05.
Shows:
4,27
